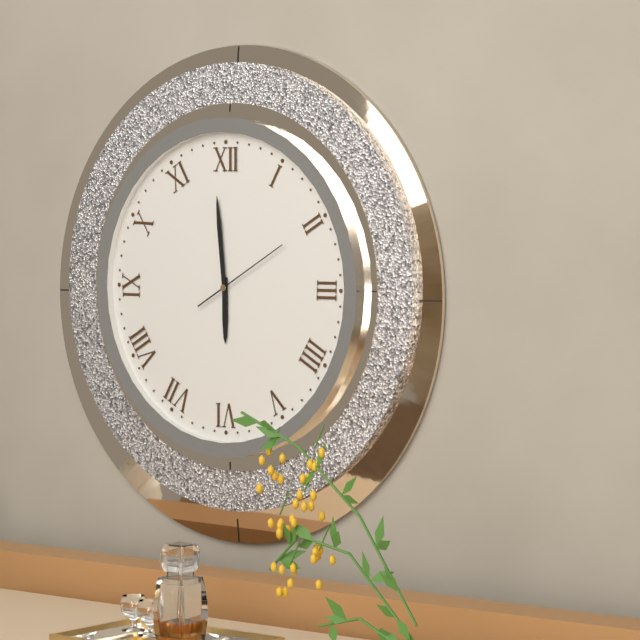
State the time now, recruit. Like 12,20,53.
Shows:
5,59,10
